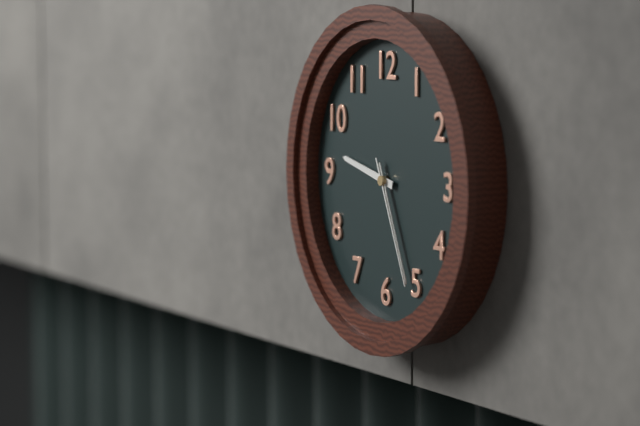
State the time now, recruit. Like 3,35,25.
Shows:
9,26,26
